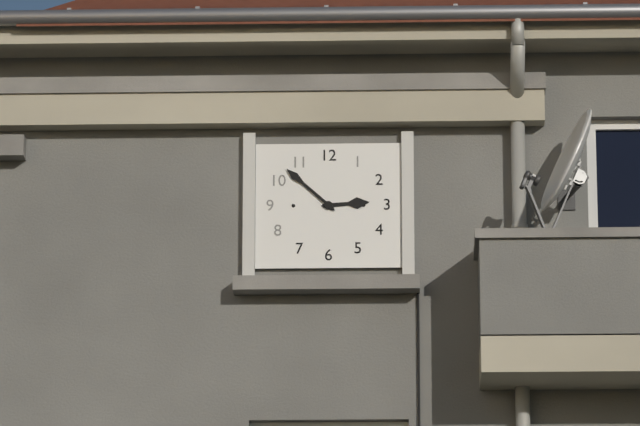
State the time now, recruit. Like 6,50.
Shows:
2,52
